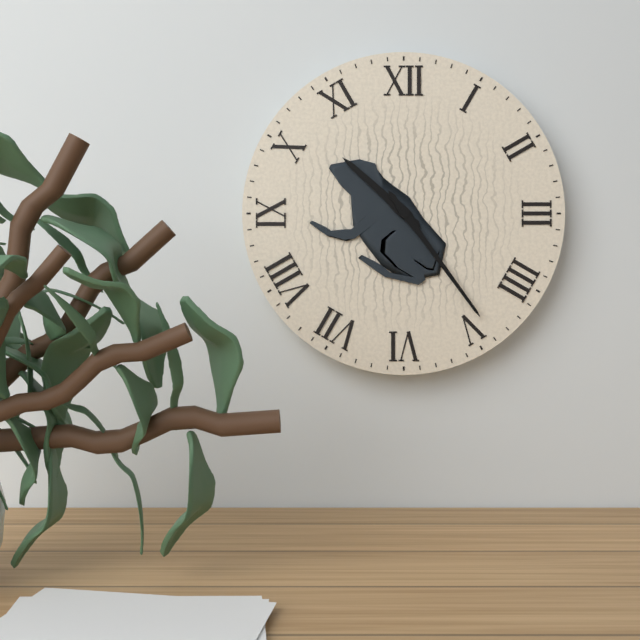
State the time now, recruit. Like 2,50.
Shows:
10,24
